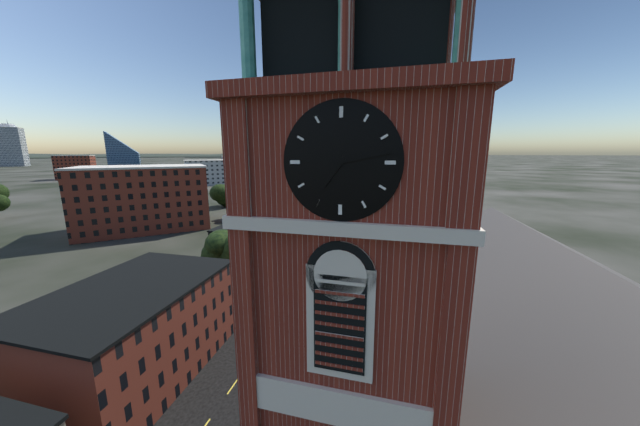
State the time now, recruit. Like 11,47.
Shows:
7,13
